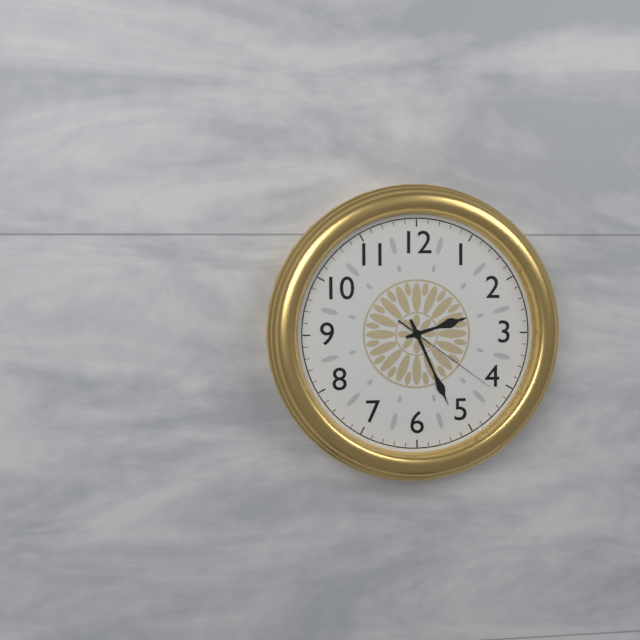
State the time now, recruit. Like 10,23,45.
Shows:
2,26,21
